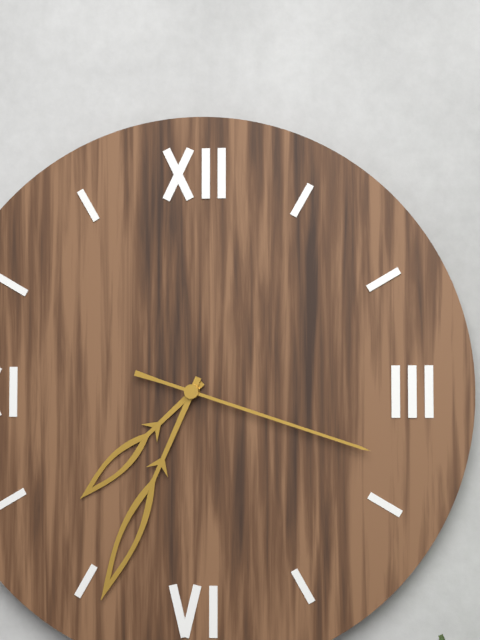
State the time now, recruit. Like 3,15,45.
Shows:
7,34,18
